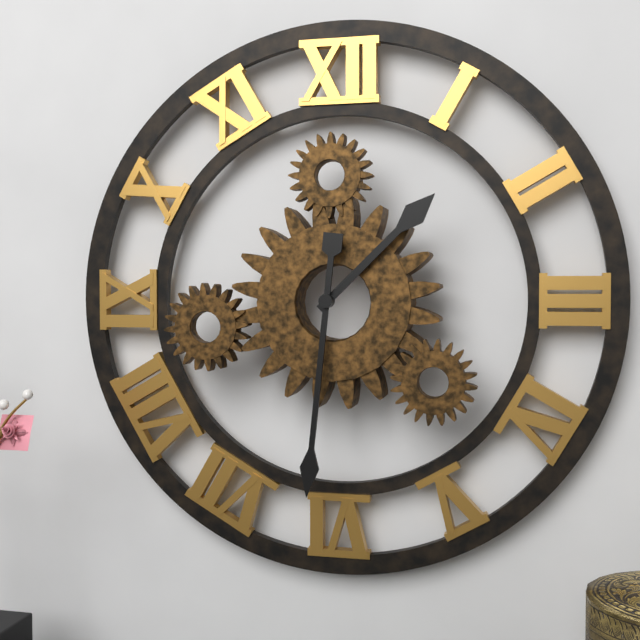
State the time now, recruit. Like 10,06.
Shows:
1,31
